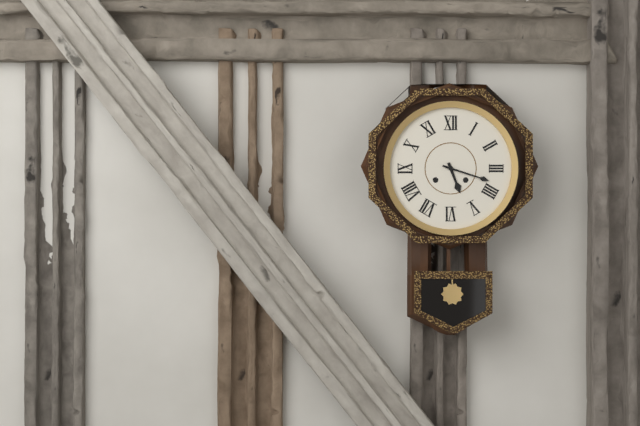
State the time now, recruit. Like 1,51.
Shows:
5,18
